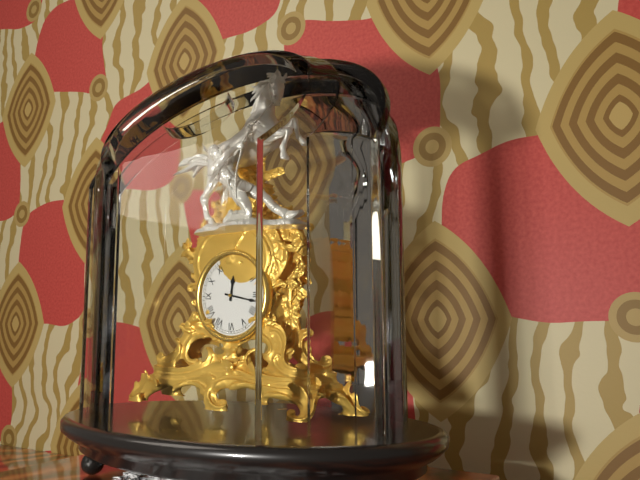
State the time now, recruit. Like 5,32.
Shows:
12,17
